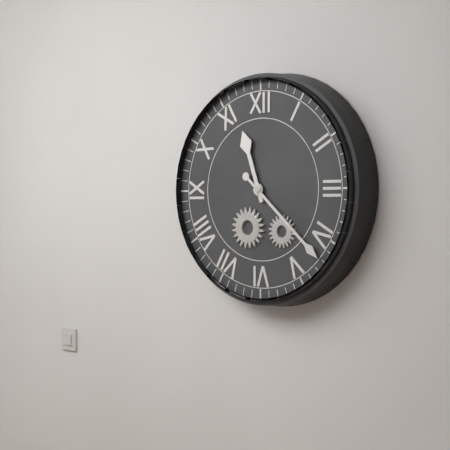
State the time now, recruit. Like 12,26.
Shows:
11,22
